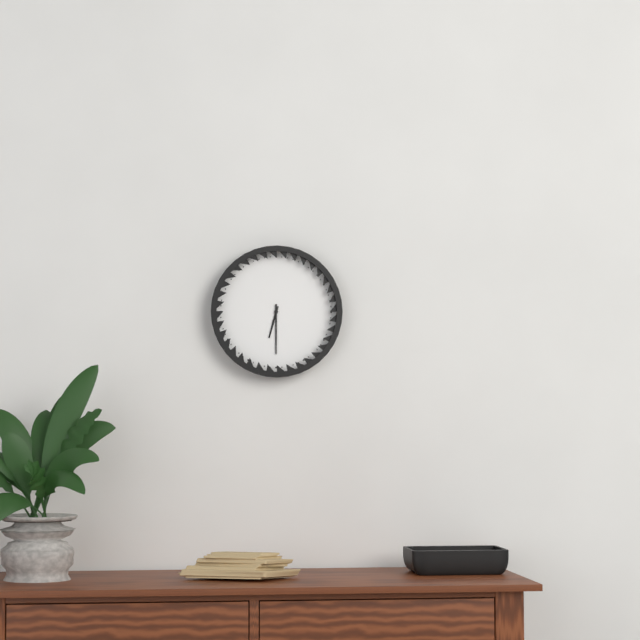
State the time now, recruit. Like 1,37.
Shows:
6,30
